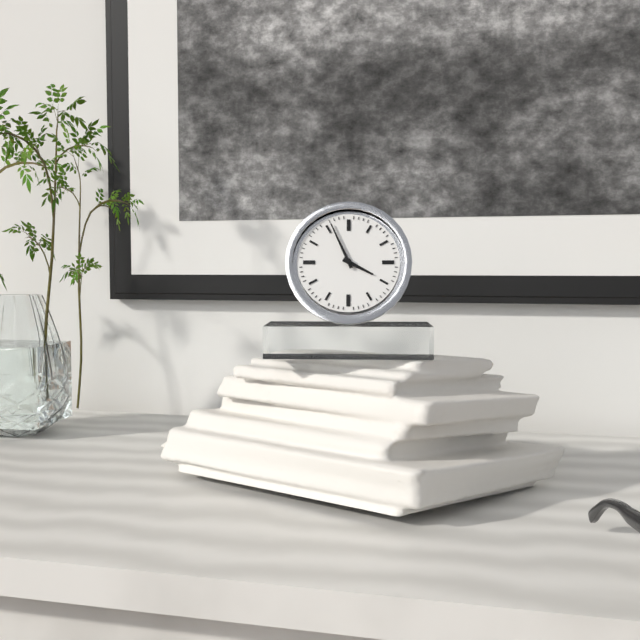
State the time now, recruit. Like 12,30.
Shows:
3,56
